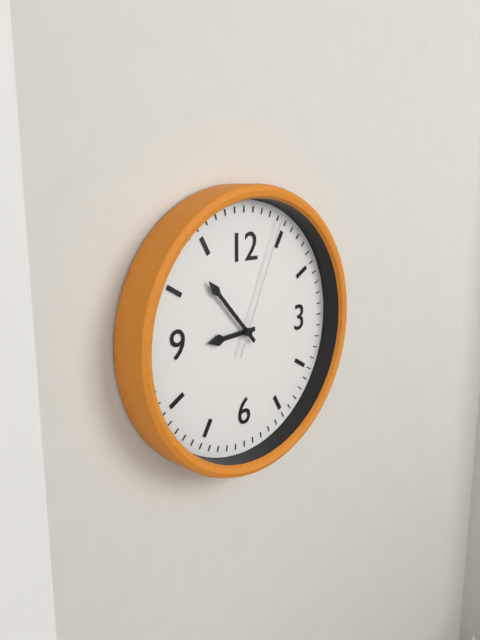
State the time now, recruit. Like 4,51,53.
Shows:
8,53,04
